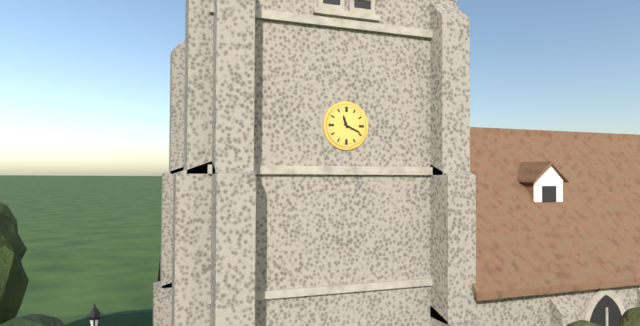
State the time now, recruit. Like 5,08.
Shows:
11,19
